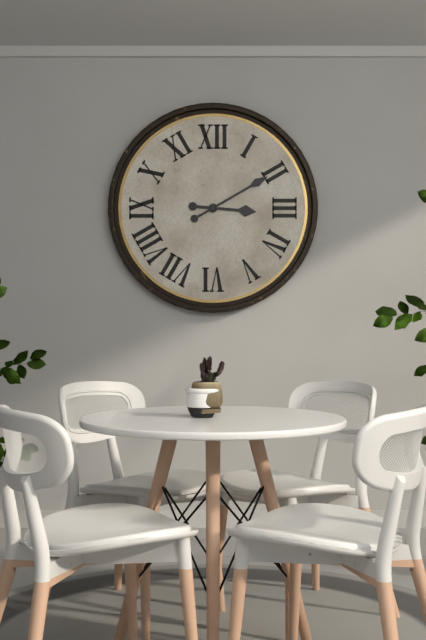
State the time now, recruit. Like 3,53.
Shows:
3,10
